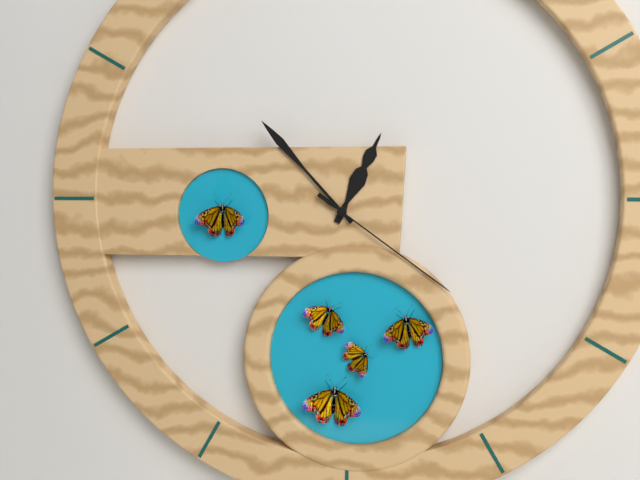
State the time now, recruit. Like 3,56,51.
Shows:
12,53,21
